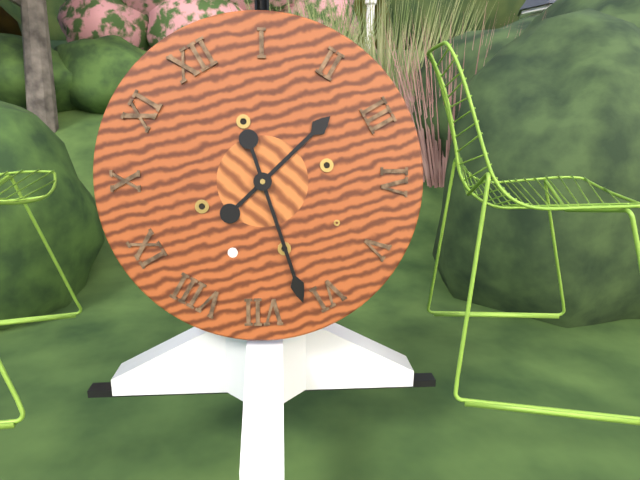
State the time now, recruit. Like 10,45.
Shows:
2,32
